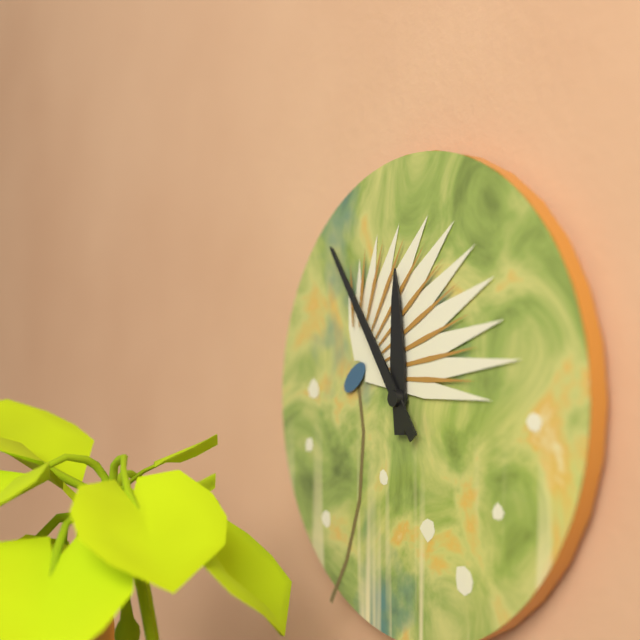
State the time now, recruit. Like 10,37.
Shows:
11,54
